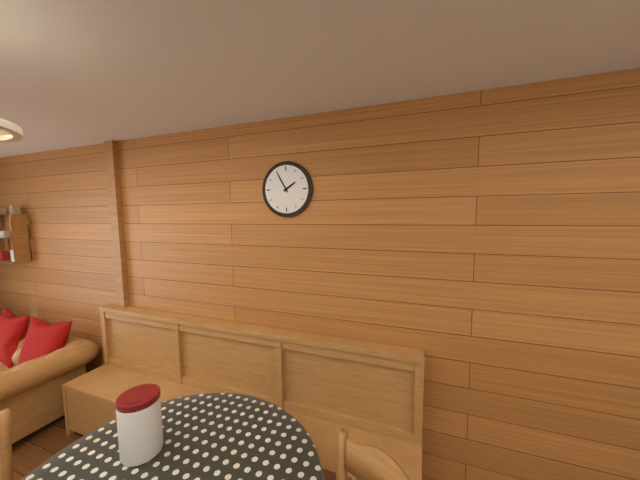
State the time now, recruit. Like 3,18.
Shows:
1,55
